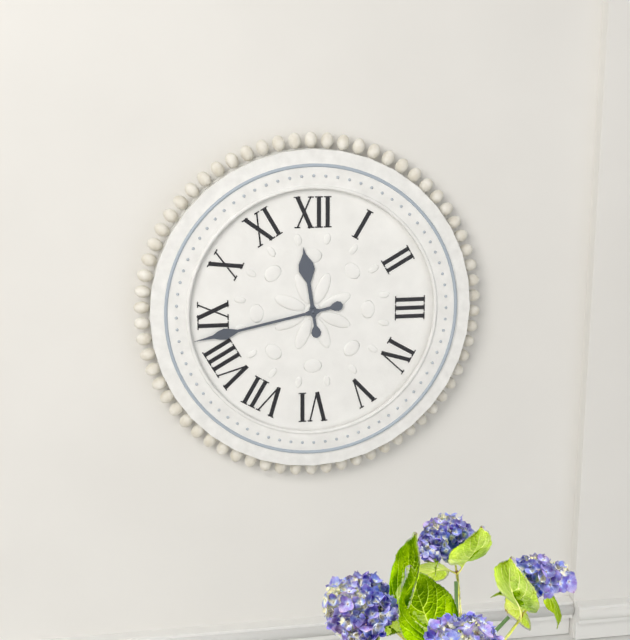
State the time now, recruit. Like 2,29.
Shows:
11,43
